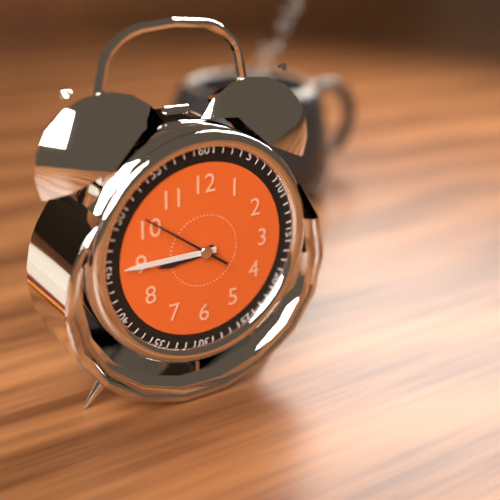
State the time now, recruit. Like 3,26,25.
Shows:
8,45,51
